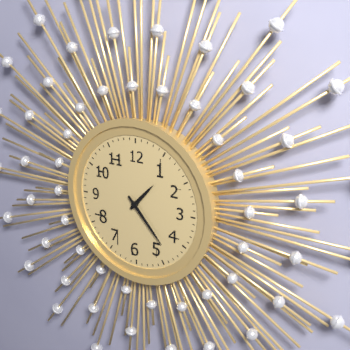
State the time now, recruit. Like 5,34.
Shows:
1,23
